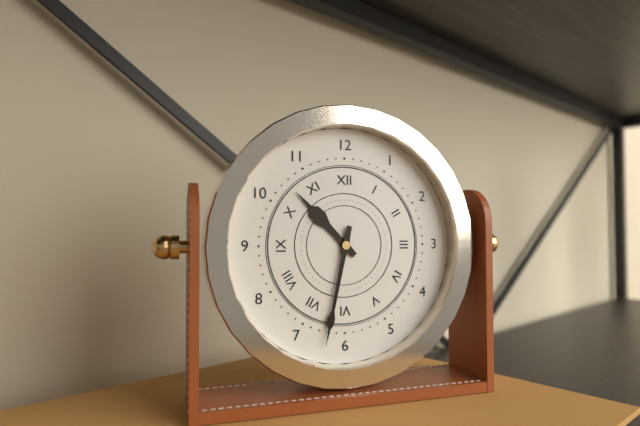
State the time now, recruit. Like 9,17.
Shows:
10,32
